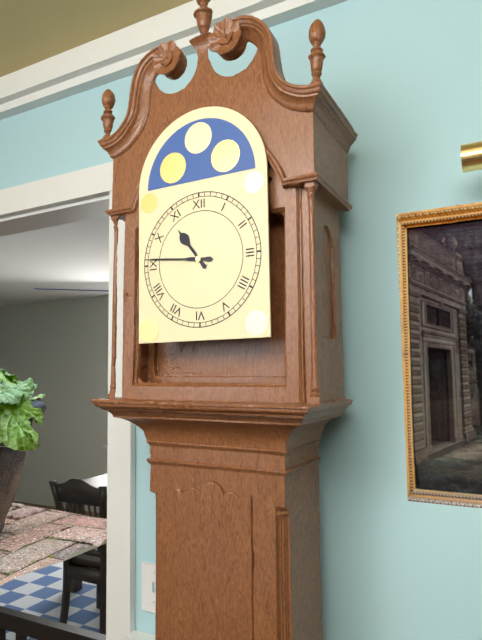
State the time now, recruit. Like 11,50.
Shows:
10,46
